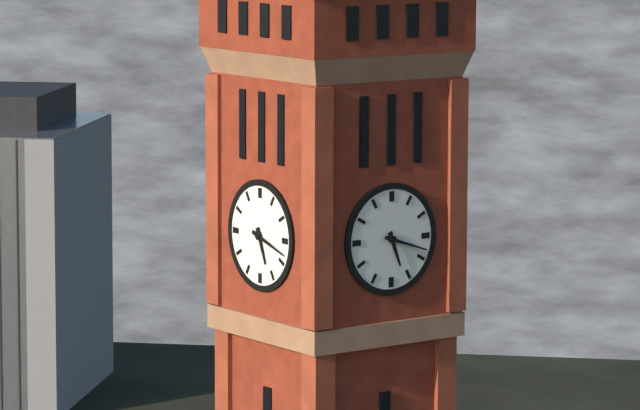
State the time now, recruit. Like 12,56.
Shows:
5,18
